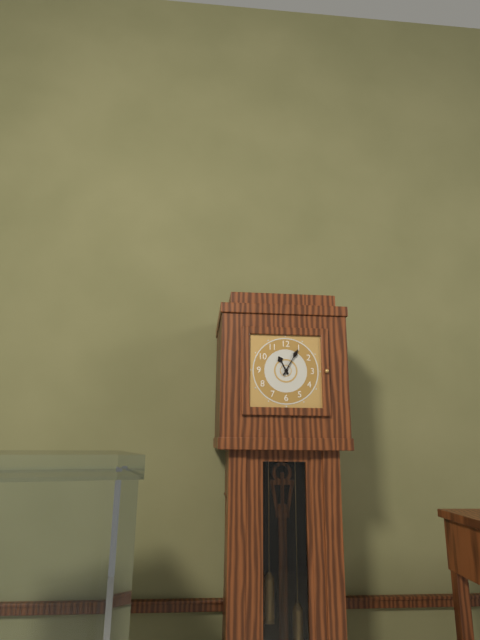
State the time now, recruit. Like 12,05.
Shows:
11,05
